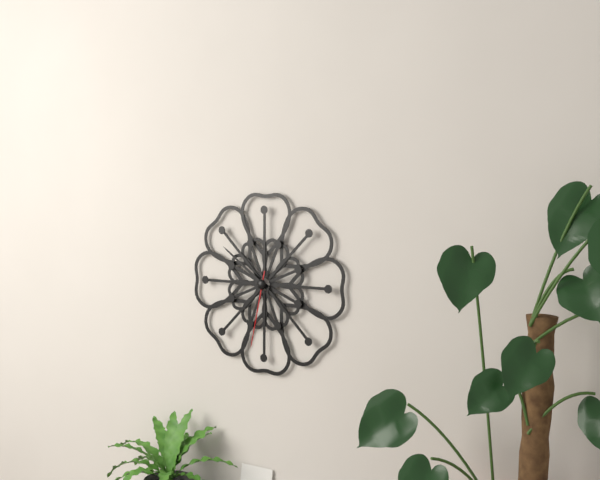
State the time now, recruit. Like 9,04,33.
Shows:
9,51,32
